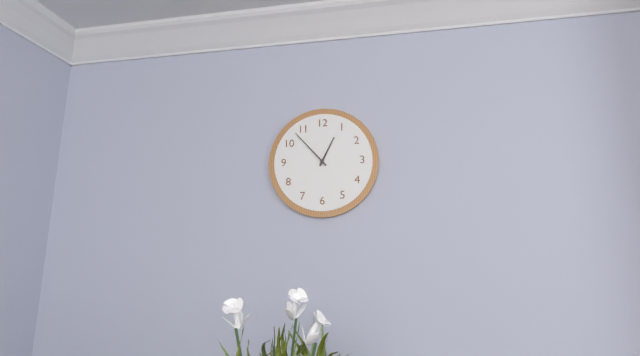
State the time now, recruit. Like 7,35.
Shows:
12,53
